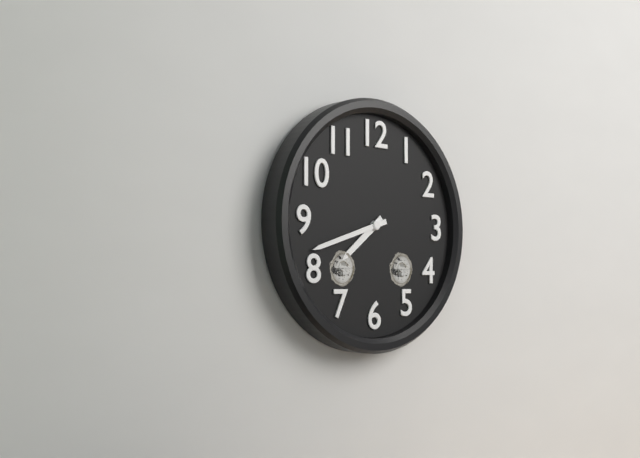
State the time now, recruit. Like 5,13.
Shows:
7,42
